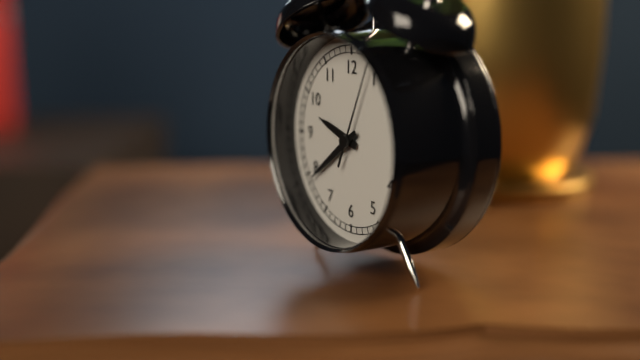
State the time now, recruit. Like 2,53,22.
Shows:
9,39,04
